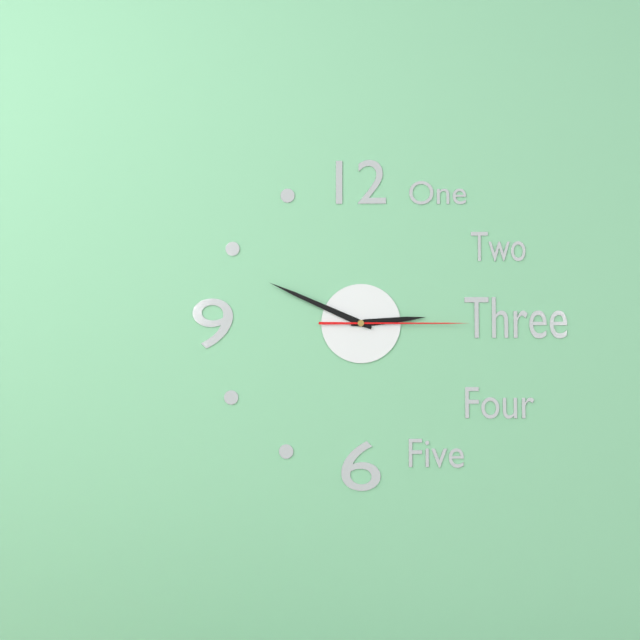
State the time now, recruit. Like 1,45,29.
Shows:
2,49,15
